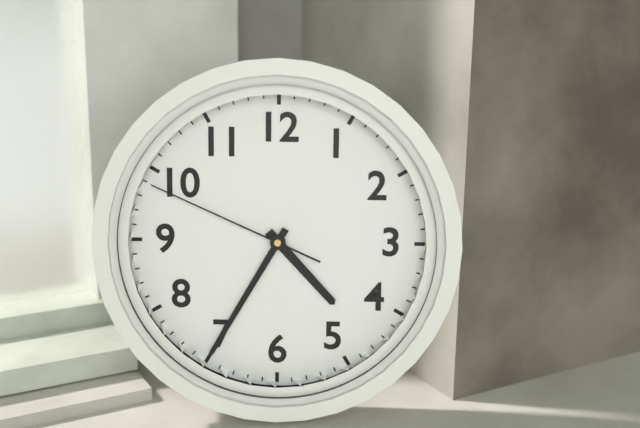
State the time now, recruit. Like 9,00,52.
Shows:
4,35,49
